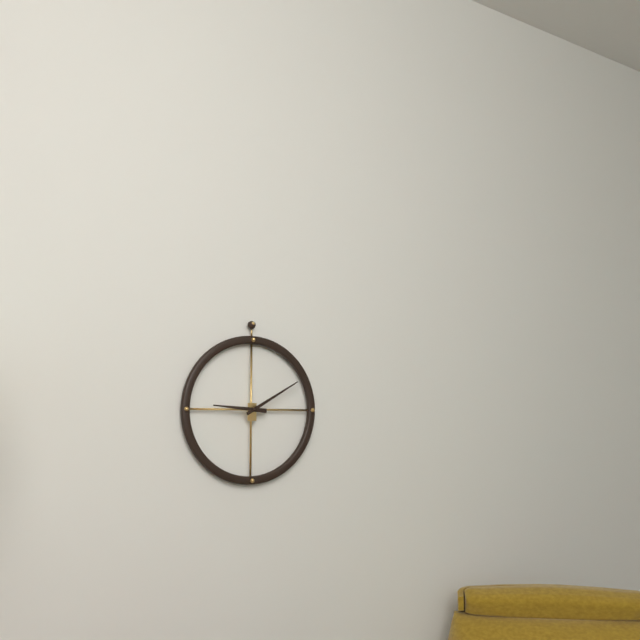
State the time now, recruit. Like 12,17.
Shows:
9,10
